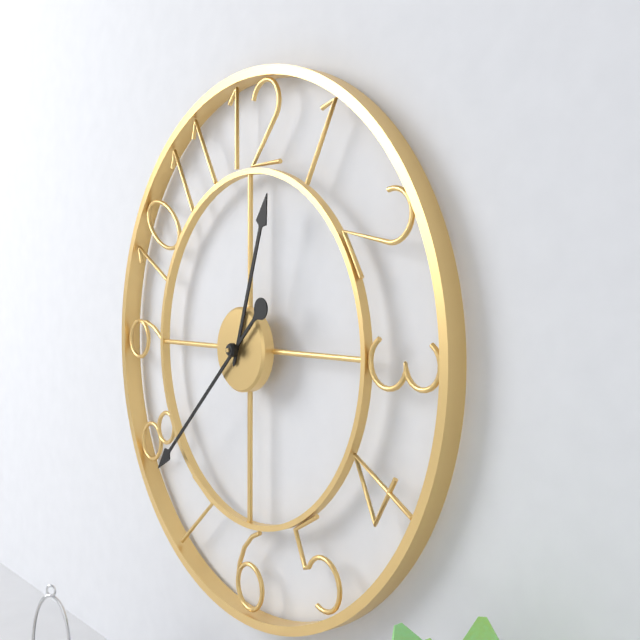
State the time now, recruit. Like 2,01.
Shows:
12,38
